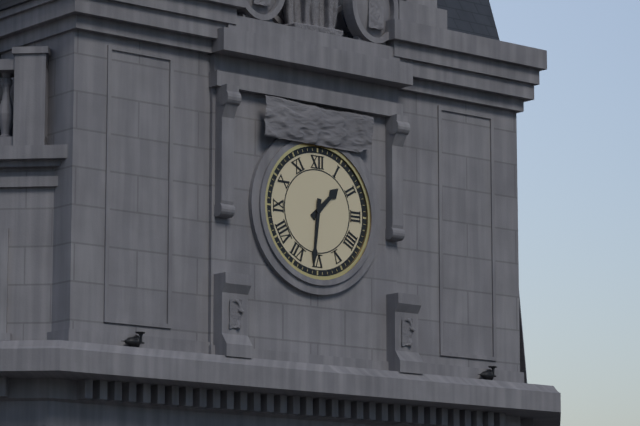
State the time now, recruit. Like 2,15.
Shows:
1,31
